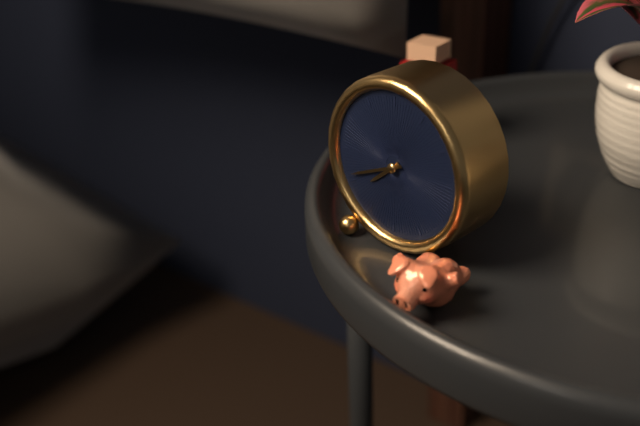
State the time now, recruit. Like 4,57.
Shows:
7,41
